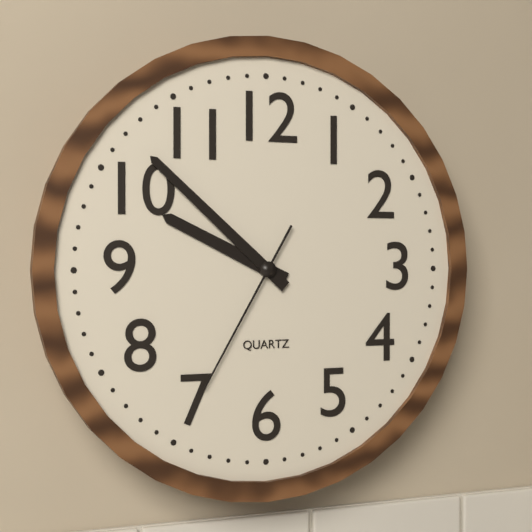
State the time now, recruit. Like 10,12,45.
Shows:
9,52,35
